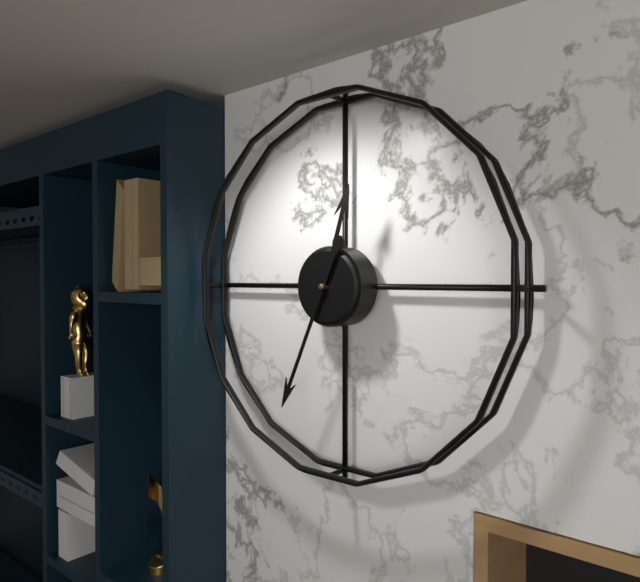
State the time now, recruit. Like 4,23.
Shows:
12,34
